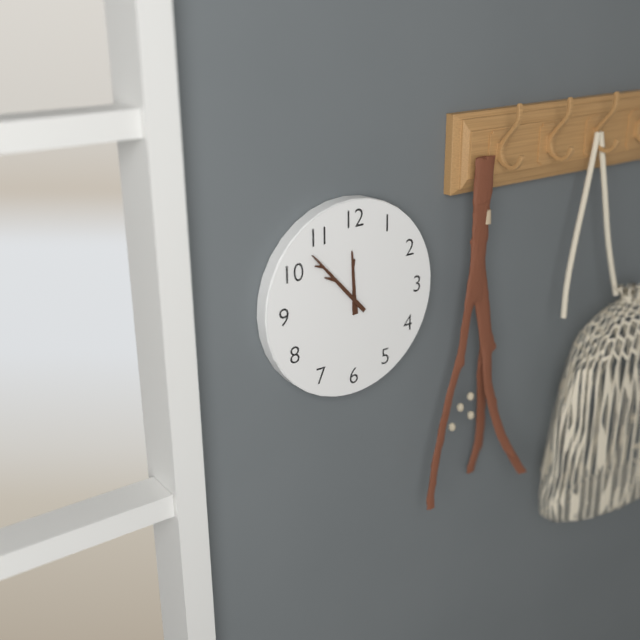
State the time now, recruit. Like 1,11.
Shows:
11,53
